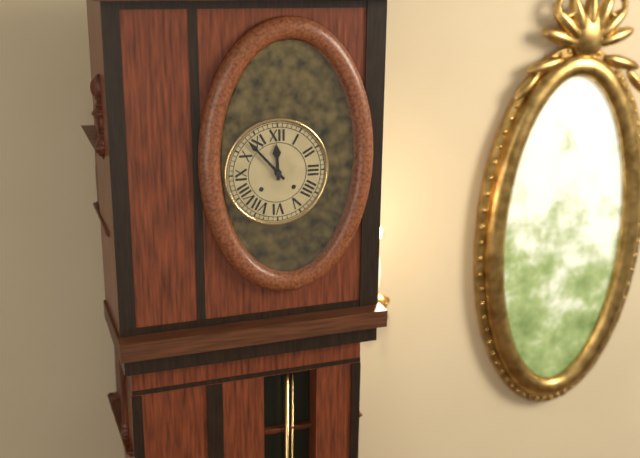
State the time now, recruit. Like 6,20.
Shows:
11,53
